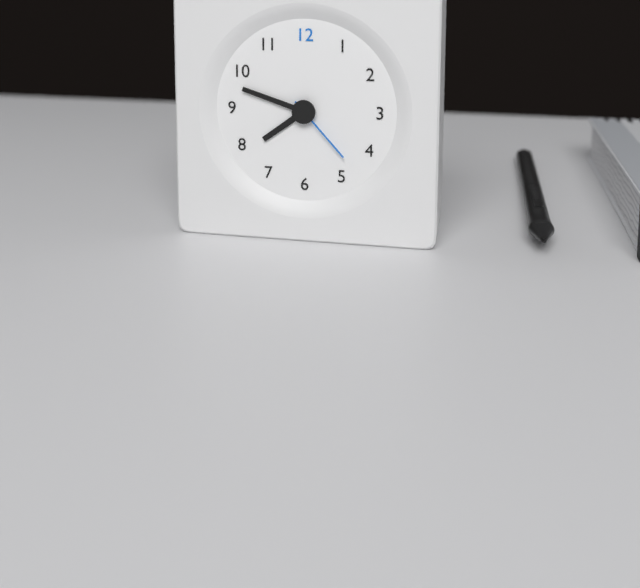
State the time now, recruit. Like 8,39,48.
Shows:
7,48,23
